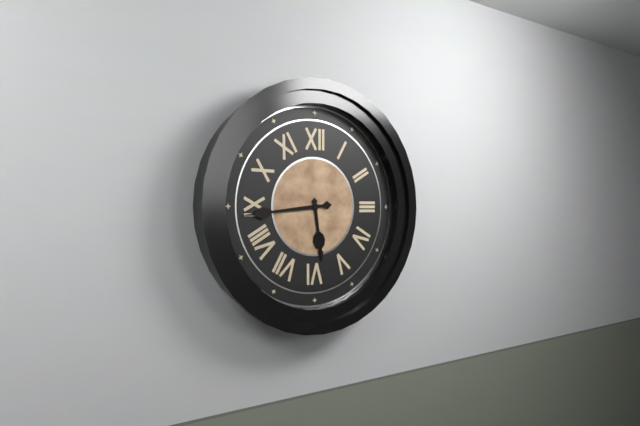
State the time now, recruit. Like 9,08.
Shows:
5,44
